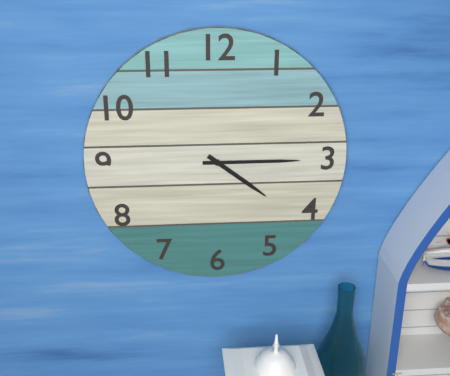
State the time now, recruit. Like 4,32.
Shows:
4,15
